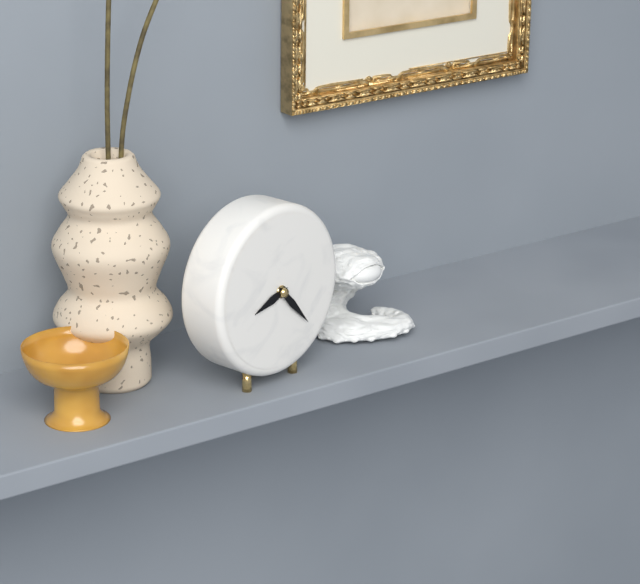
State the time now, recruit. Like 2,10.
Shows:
8,23
